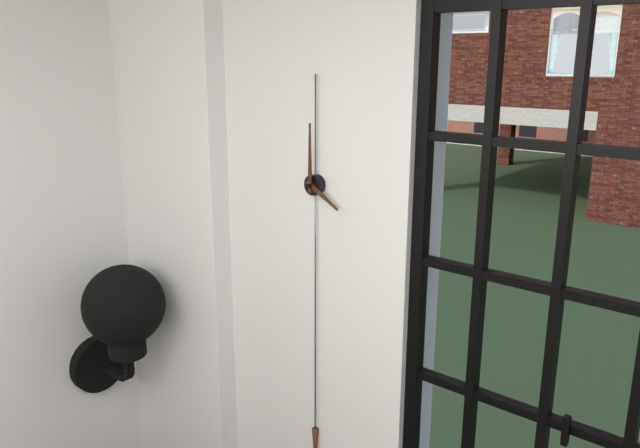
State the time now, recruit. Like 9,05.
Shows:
4,00
